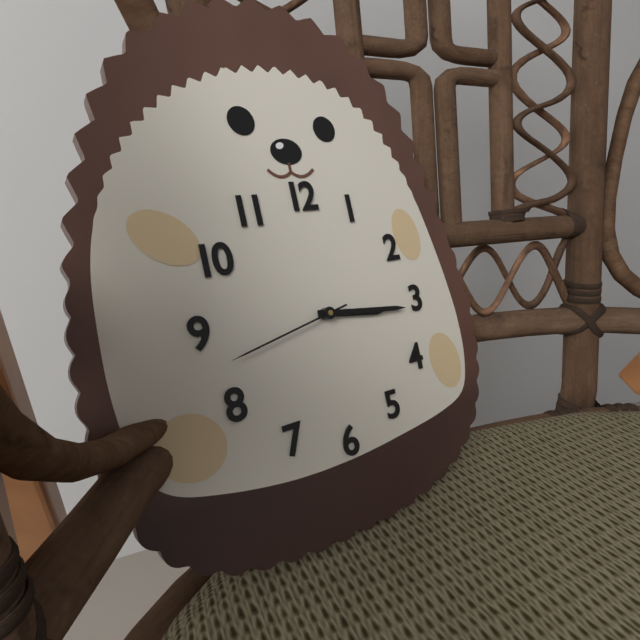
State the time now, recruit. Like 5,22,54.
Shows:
3,16,43
